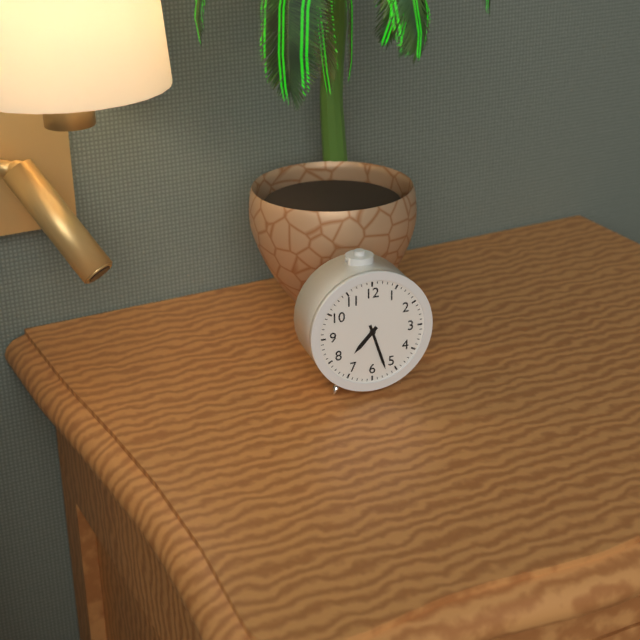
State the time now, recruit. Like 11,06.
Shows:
7,27
